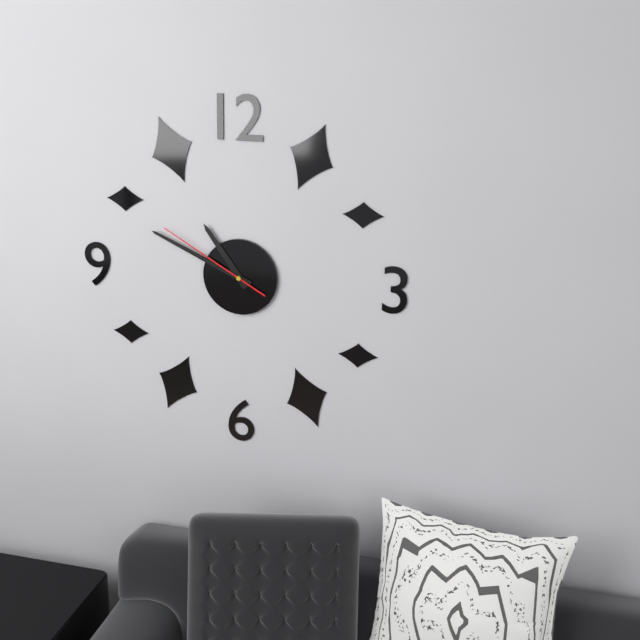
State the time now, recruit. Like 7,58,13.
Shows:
10,49,50
